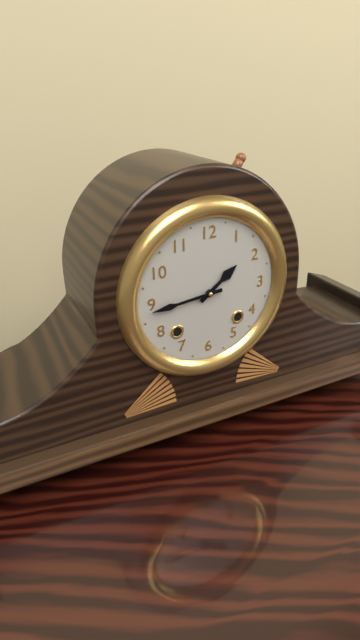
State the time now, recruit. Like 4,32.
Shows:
1,44
